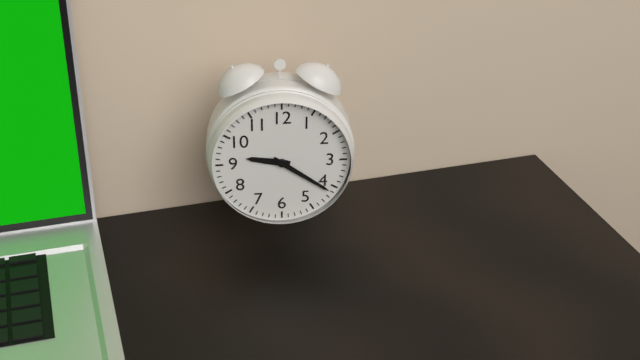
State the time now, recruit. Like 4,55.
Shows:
9,21
